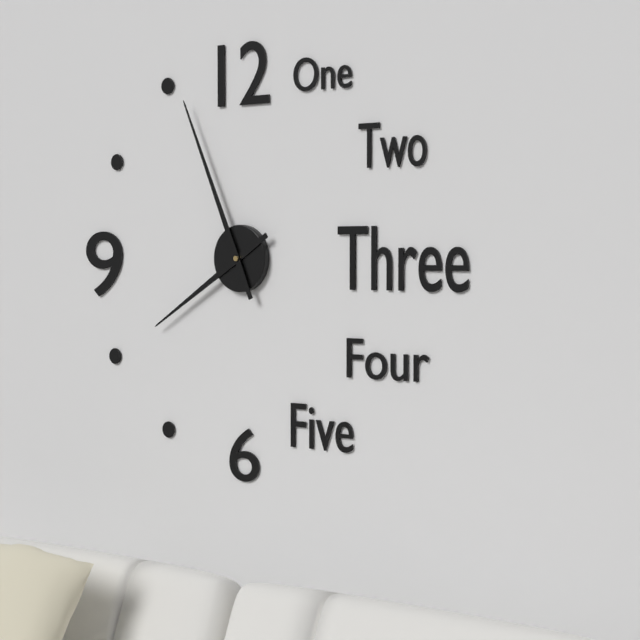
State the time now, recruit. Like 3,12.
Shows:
7,56
